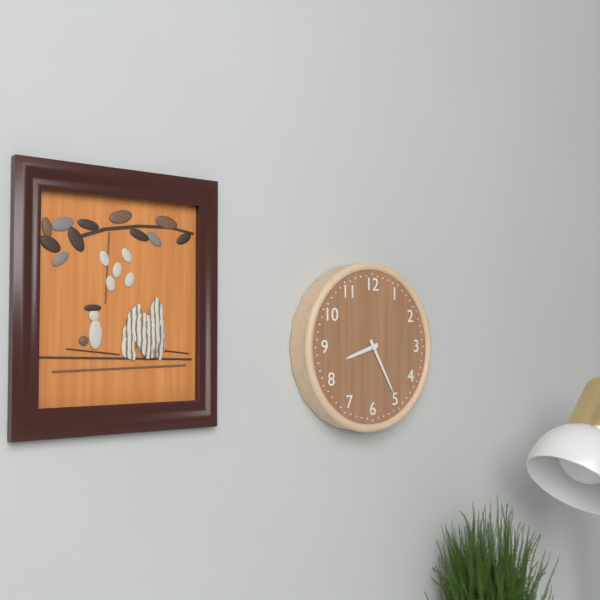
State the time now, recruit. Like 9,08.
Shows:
8,25
